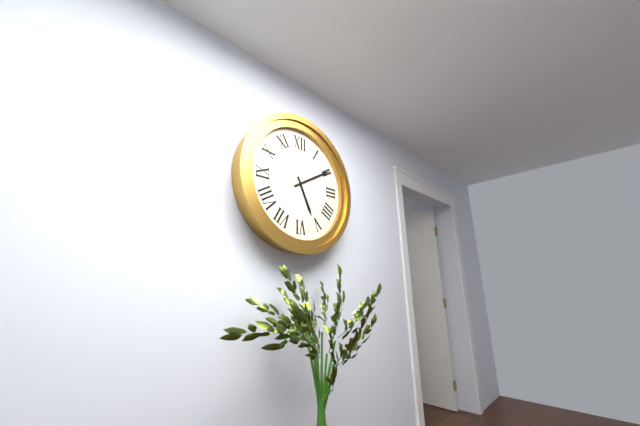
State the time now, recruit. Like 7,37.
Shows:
5,10
